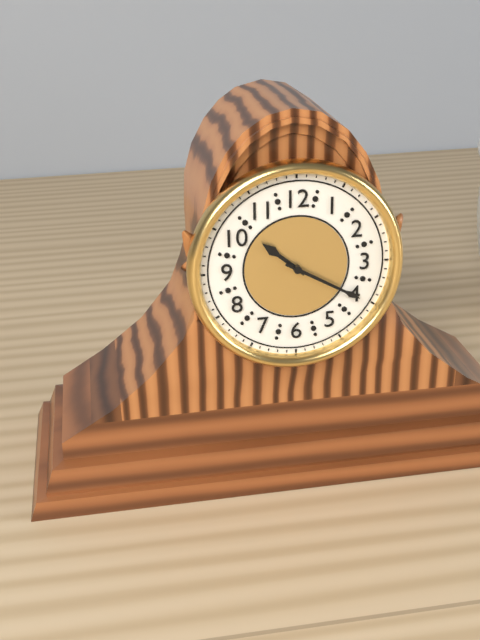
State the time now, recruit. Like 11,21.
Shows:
10,20
